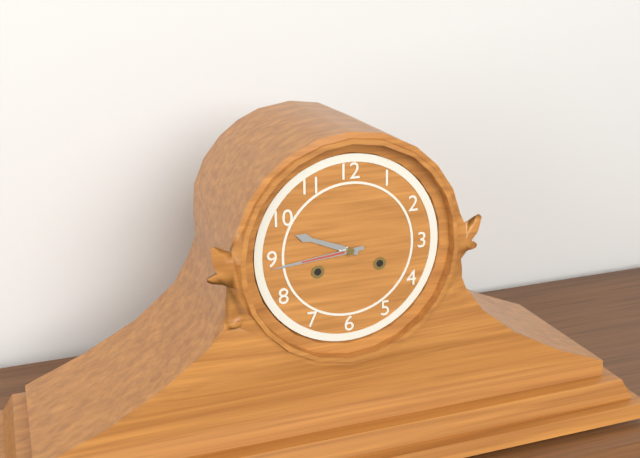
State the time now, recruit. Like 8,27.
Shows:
9,44
